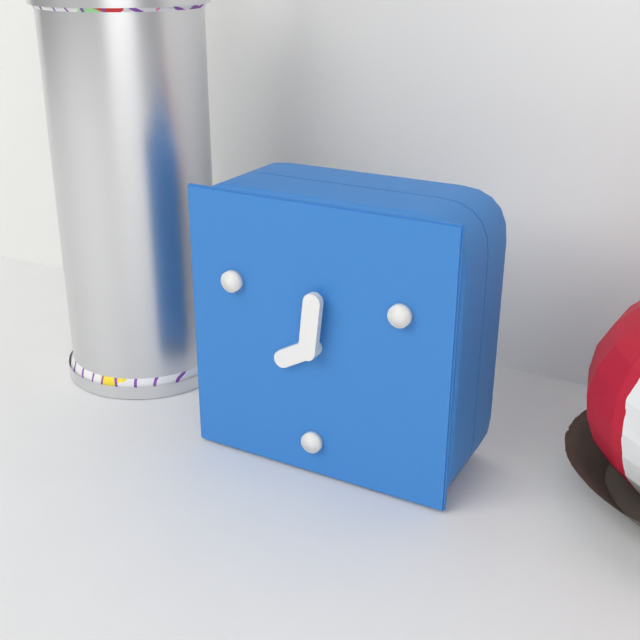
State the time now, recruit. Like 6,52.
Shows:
8,01
